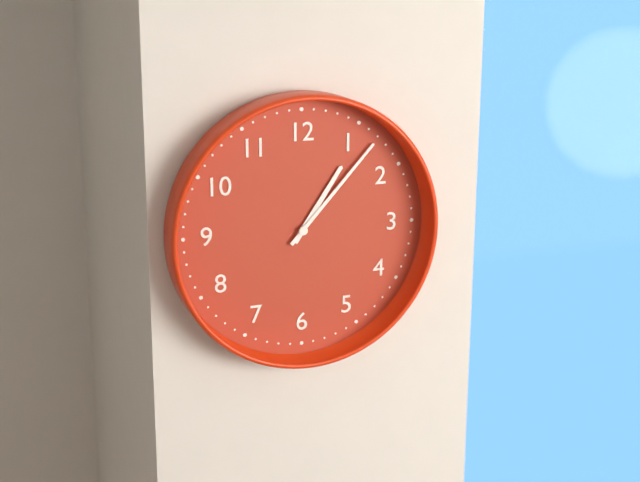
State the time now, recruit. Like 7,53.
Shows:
1,07
